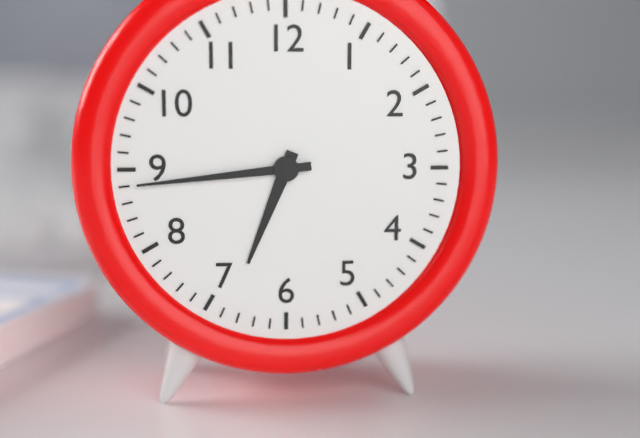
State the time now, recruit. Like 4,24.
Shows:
6,44
